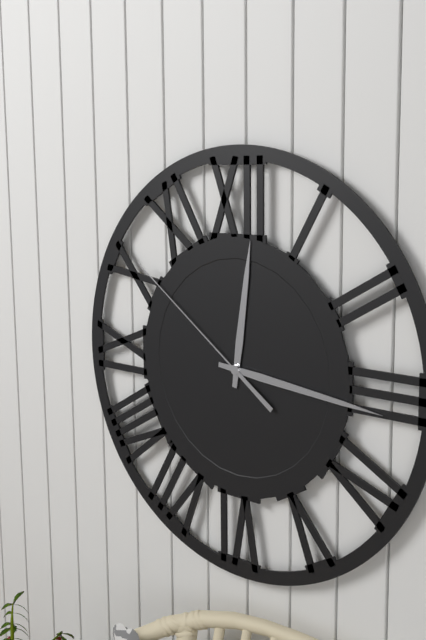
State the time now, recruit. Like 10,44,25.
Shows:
12,16,51
